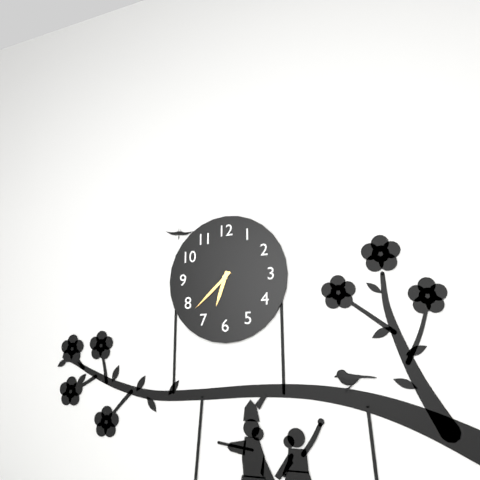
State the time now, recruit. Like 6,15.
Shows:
6,38
